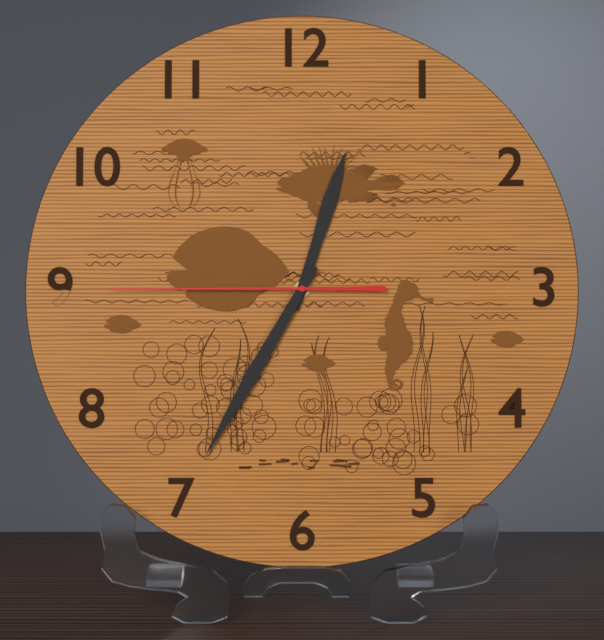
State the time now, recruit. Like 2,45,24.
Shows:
12,35,45
